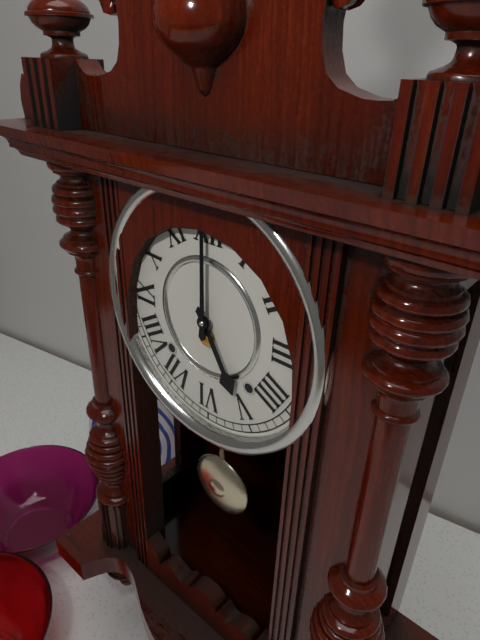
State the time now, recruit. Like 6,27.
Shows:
5,00
